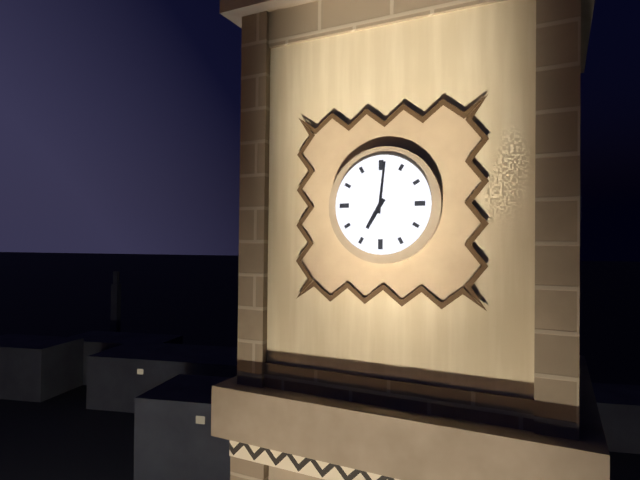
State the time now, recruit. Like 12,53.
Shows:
7,01
